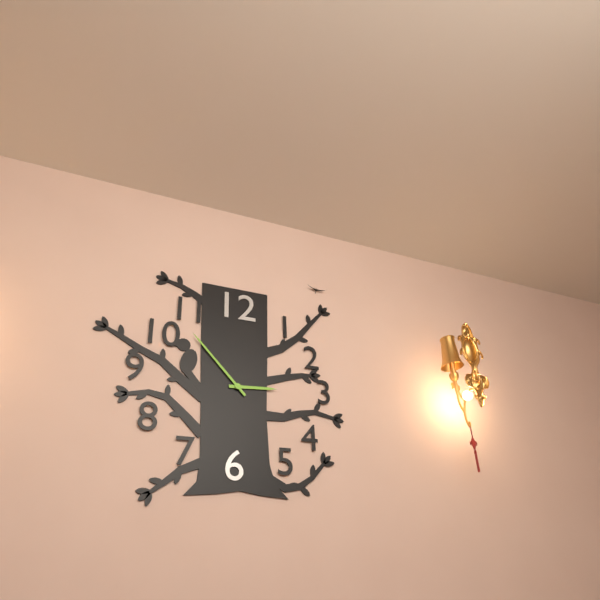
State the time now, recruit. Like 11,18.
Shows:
2,53
